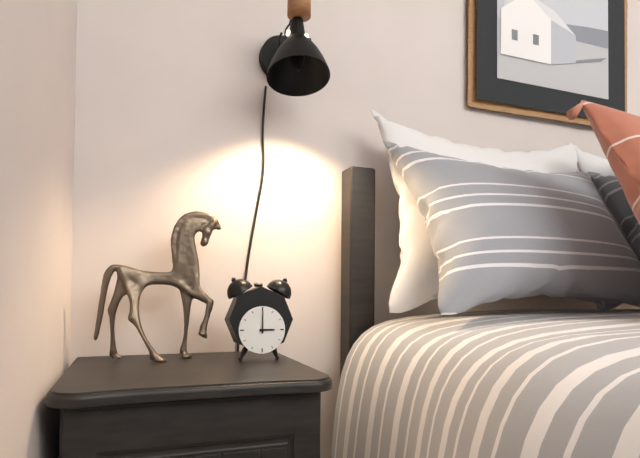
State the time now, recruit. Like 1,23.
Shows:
3,00
